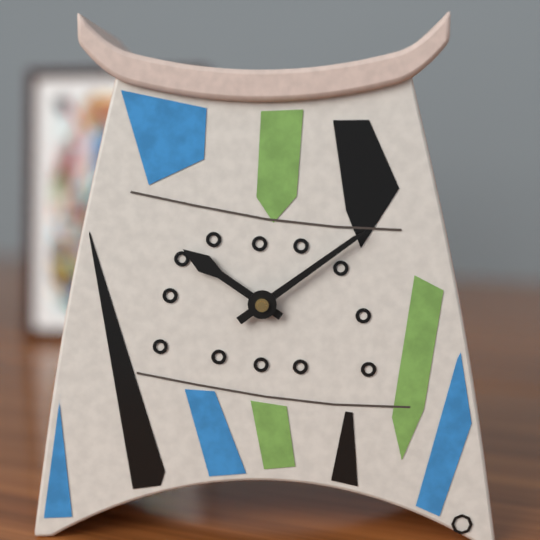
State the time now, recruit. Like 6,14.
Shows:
10,09
